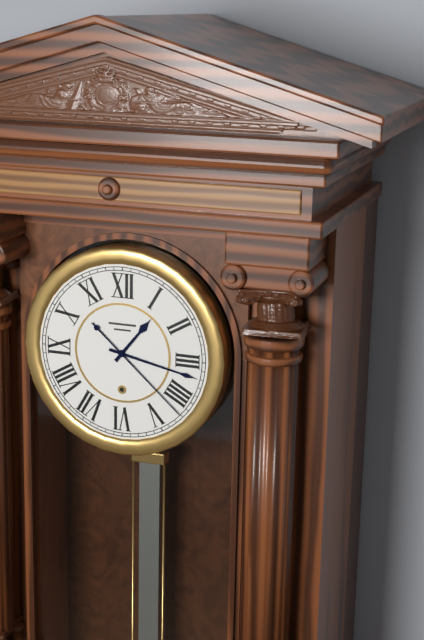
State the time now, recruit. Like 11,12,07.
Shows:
1,17,22
